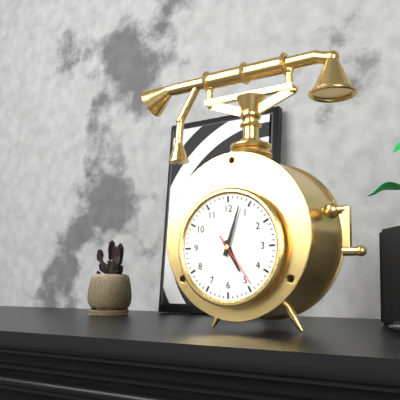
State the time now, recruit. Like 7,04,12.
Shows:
5,03,24
